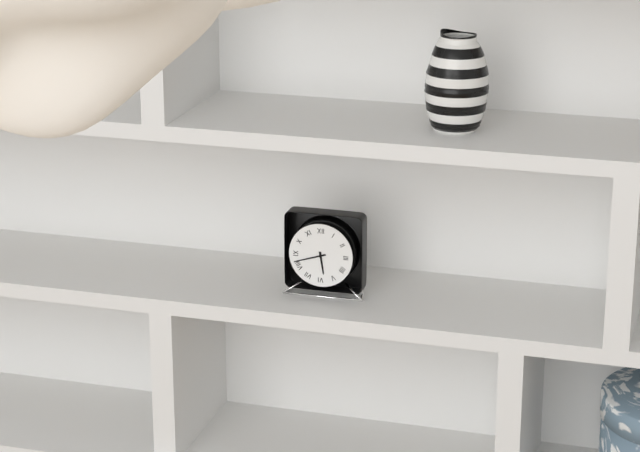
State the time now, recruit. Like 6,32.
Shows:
5,42
